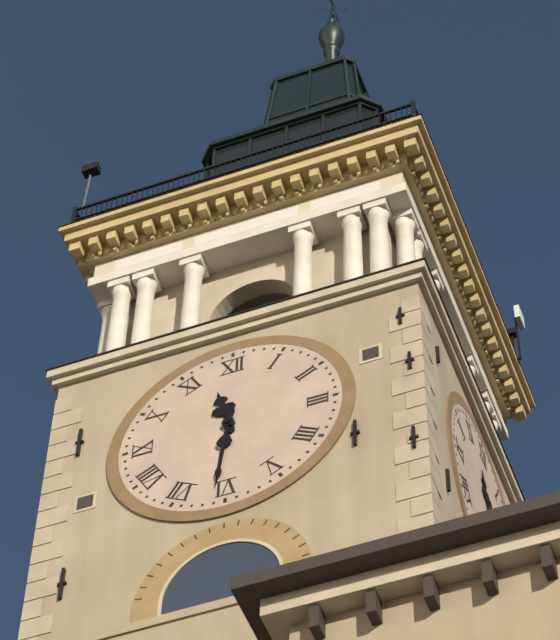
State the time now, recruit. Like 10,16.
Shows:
11,31
